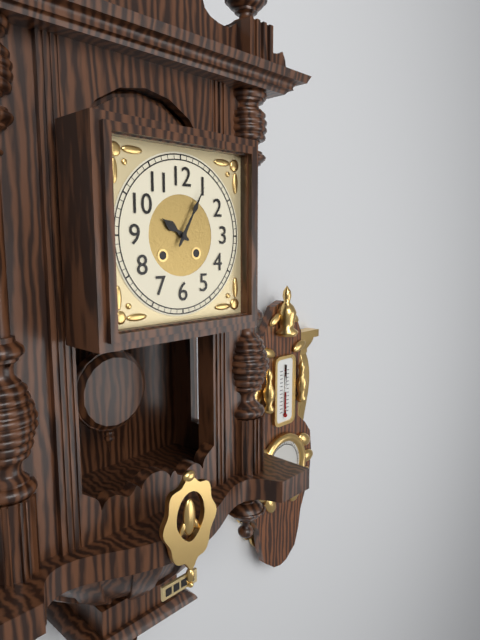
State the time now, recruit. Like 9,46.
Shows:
10,05
